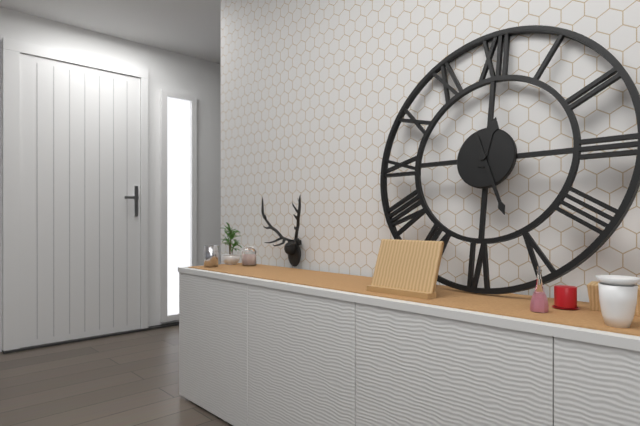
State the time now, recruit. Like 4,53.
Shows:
12,26
